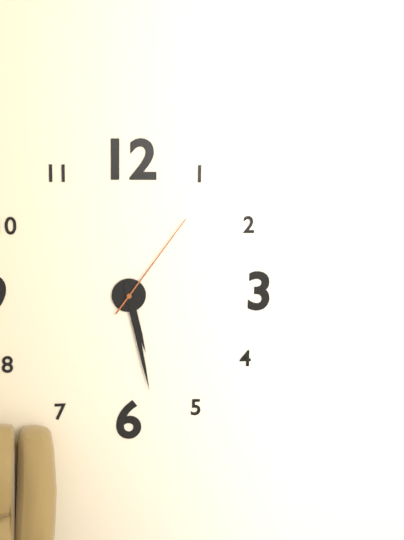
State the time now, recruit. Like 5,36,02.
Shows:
5,28,06
